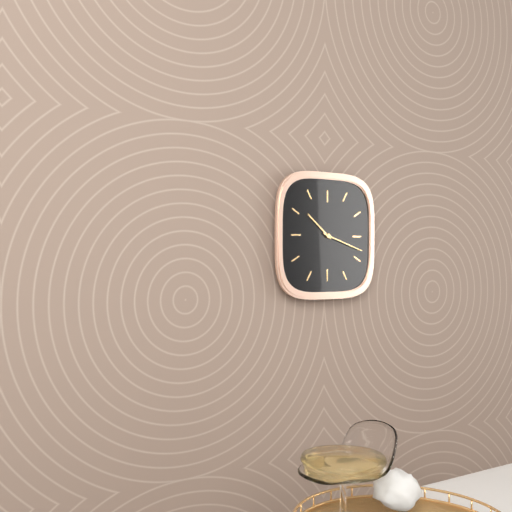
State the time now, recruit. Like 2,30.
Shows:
10,18
